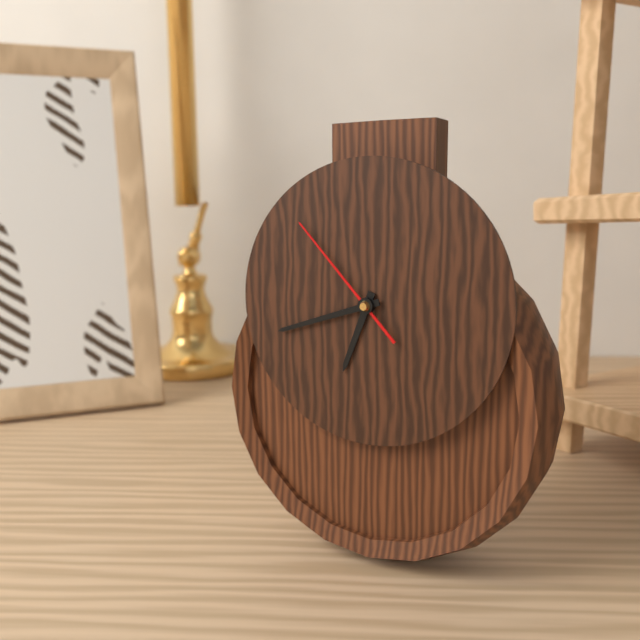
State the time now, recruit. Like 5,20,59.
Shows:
6,42,53
